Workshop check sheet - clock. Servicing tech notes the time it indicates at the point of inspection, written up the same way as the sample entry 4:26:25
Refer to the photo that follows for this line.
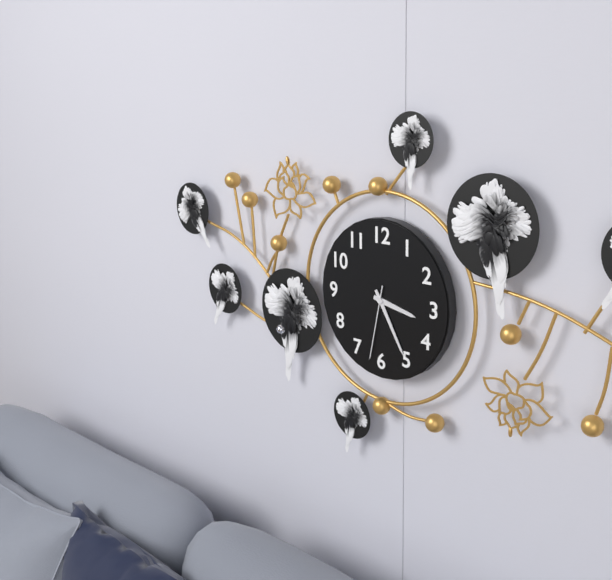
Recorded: 3:25:32
